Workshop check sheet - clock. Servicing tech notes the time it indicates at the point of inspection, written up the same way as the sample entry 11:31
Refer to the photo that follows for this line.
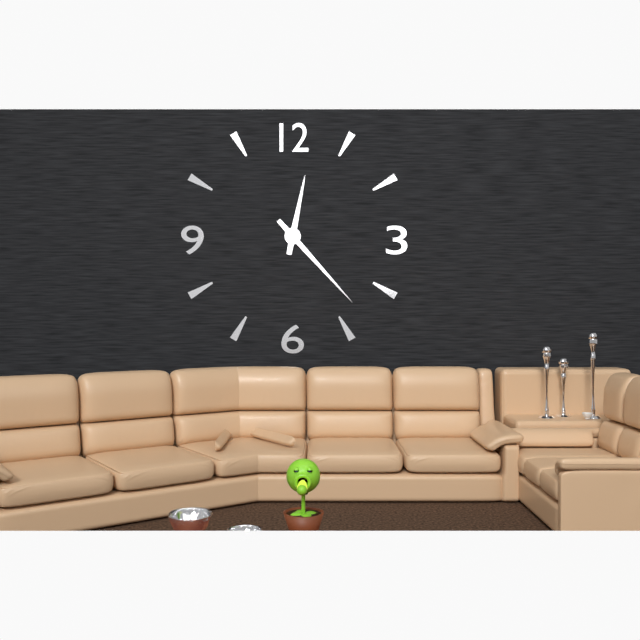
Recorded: 12:23
